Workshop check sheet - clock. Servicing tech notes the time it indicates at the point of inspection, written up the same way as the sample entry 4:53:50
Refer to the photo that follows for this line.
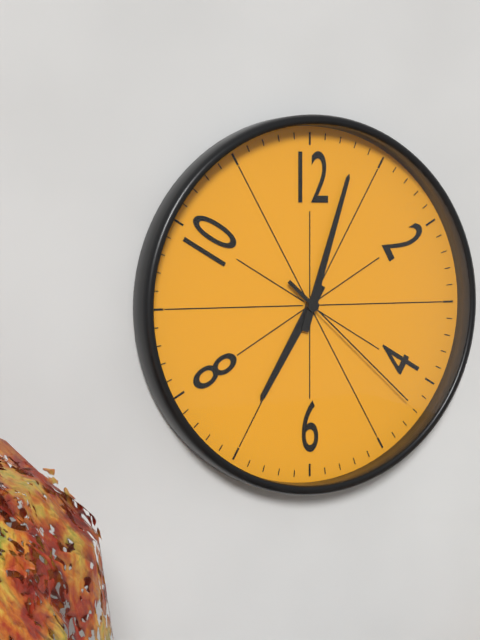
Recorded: 7:03:22
